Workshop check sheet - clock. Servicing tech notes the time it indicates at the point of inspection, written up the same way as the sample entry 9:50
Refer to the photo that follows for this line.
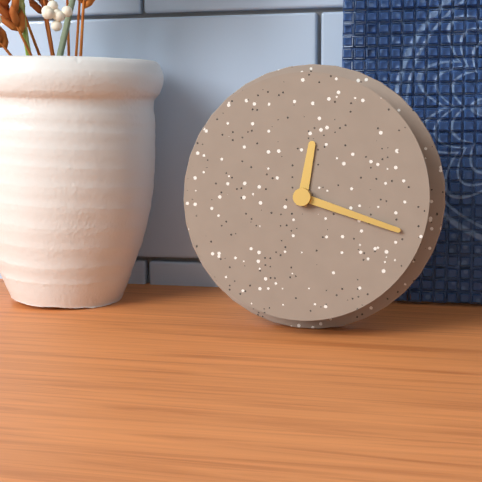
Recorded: 12:18
